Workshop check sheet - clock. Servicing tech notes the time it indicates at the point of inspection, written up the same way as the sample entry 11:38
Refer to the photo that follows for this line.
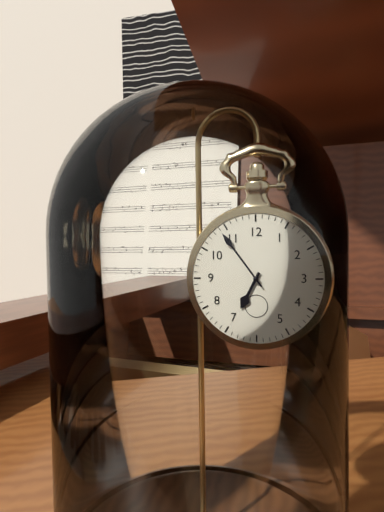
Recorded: 6:54
